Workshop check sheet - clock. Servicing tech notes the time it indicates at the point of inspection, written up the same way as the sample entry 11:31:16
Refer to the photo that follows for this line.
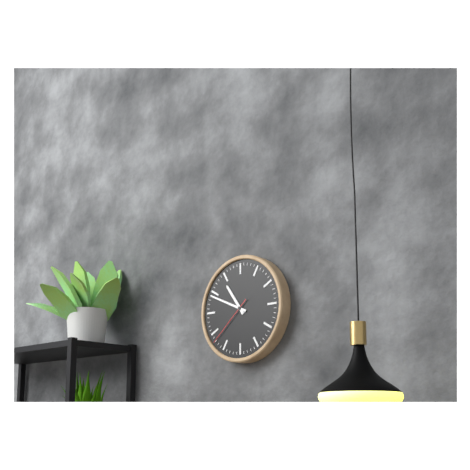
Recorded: 10:49:38
